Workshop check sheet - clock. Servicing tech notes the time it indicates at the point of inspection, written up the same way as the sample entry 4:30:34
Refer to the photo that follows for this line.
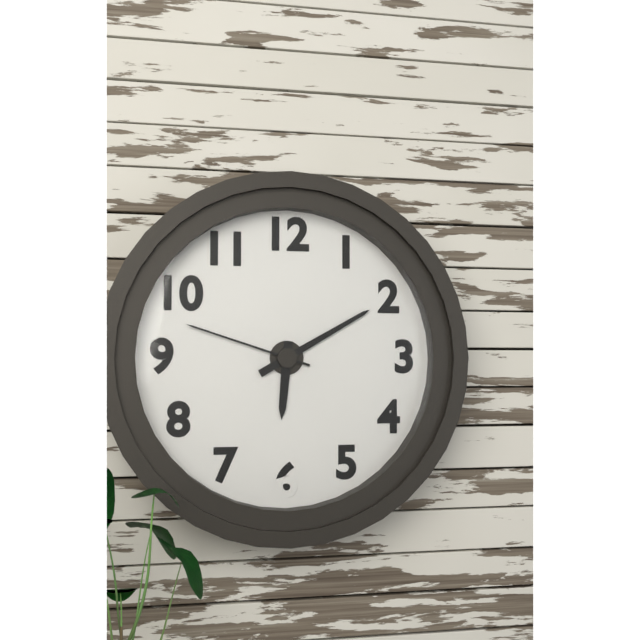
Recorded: 6:10:48
